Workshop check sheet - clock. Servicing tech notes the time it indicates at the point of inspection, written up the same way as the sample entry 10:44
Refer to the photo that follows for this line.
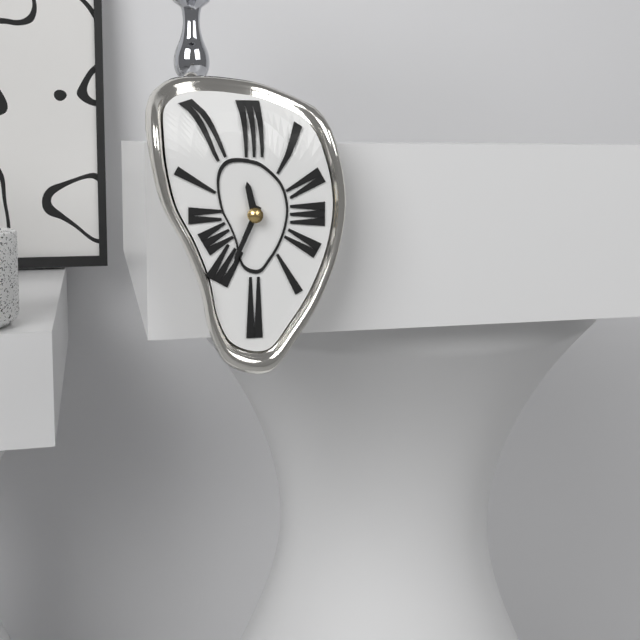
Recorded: 11:34
